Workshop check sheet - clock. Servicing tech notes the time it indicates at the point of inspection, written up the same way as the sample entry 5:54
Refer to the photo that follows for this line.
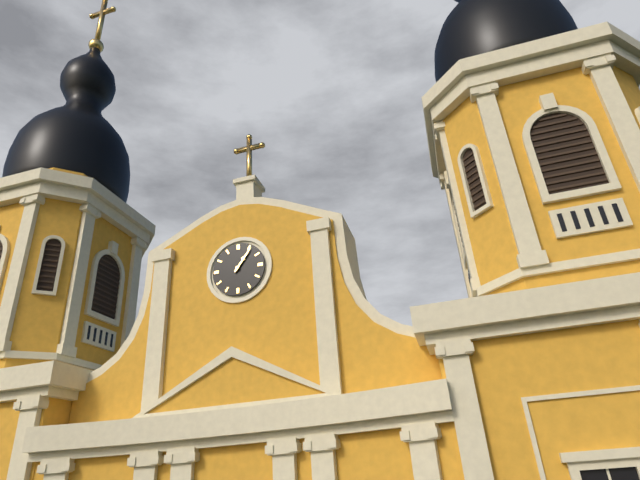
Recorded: 1:06
